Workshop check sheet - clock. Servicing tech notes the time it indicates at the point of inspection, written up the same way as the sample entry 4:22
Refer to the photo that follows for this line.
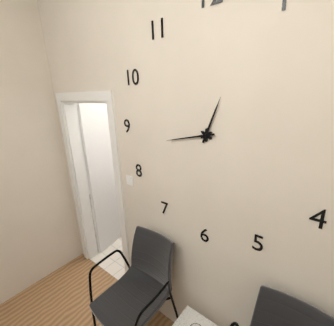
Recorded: 12:43
